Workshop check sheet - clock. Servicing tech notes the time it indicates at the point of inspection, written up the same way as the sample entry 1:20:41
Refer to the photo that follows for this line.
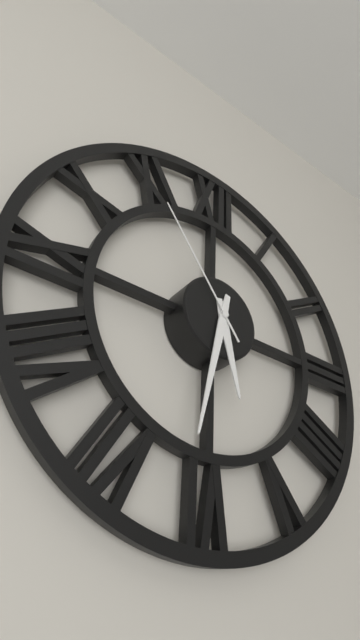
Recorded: 5:32:54
